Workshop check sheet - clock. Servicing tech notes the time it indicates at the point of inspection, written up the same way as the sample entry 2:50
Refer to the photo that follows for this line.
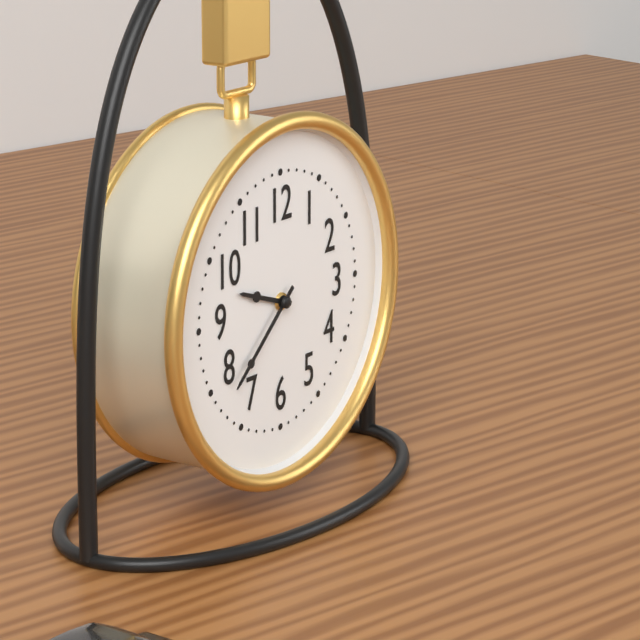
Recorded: 9:38
